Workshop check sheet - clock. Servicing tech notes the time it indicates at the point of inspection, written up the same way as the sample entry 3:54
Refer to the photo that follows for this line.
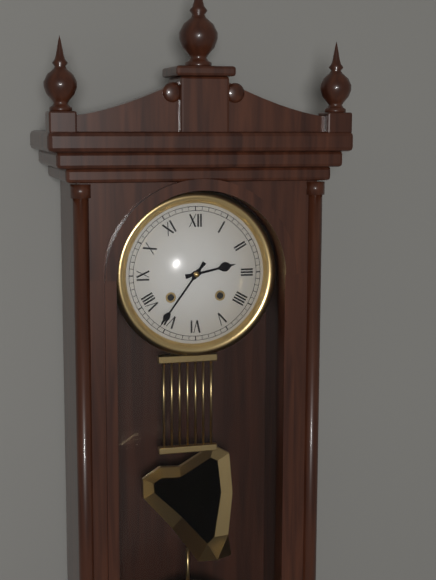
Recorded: 2:36
